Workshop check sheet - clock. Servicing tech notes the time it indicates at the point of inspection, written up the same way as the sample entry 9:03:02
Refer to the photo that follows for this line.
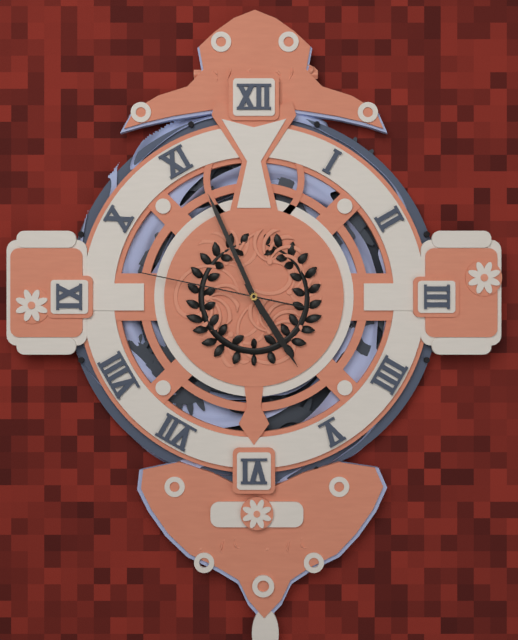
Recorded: 4:56:47
